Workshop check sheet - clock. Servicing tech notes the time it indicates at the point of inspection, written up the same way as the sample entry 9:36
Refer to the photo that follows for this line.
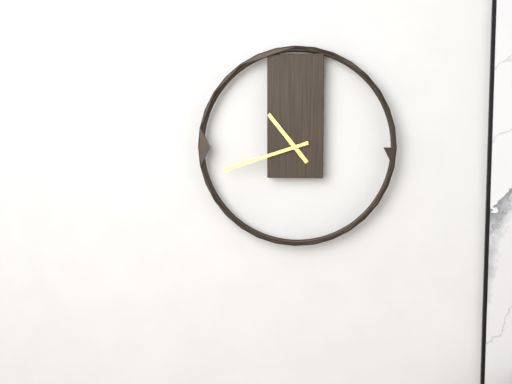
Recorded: 10:42
